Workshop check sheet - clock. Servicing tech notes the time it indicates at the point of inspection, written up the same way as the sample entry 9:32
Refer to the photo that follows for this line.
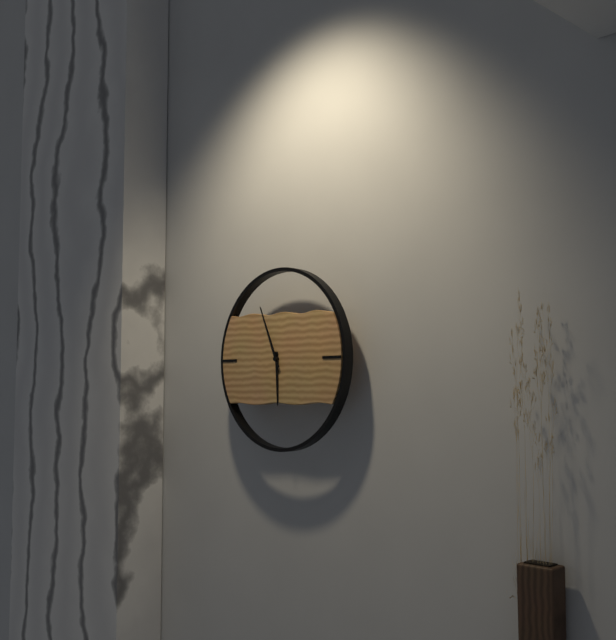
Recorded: 5:56
